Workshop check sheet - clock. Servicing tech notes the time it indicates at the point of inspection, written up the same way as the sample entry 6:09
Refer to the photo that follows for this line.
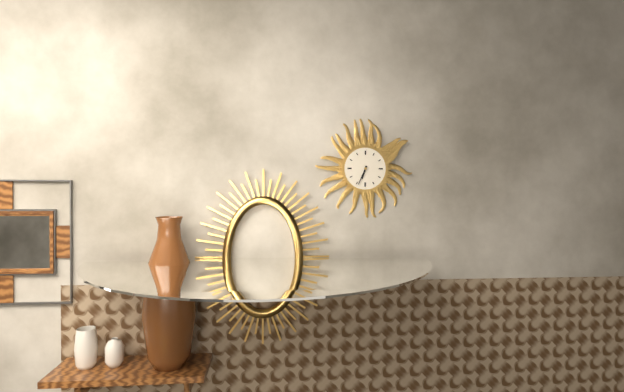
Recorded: 6:34
